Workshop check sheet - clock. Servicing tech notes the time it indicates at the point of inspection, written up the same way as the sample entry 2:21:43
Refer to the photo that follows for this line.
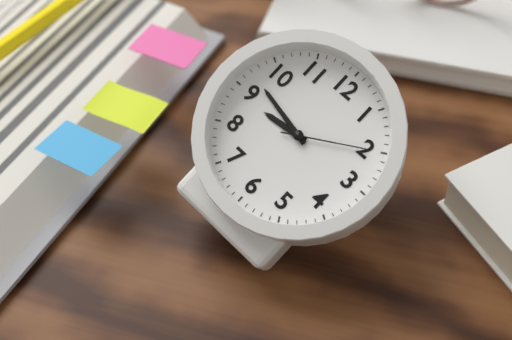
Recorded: 8:47:10
